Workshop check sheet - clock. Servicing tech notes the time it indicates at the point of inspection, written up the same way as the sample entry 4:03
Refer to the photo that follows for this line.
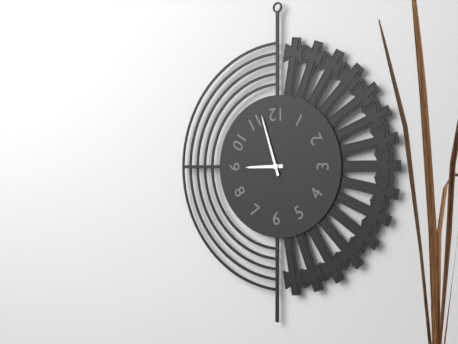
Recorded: 8:57
